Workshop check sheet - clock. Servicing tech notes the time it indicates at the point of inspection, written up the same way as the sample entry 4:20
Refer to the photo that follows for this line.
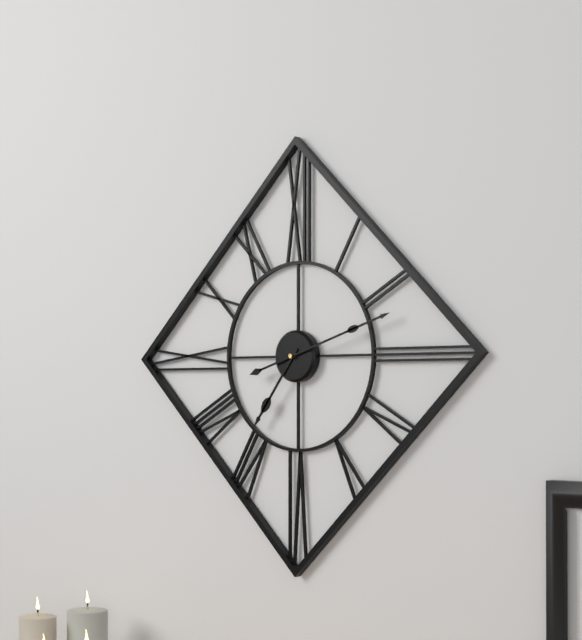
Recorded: 7:12
